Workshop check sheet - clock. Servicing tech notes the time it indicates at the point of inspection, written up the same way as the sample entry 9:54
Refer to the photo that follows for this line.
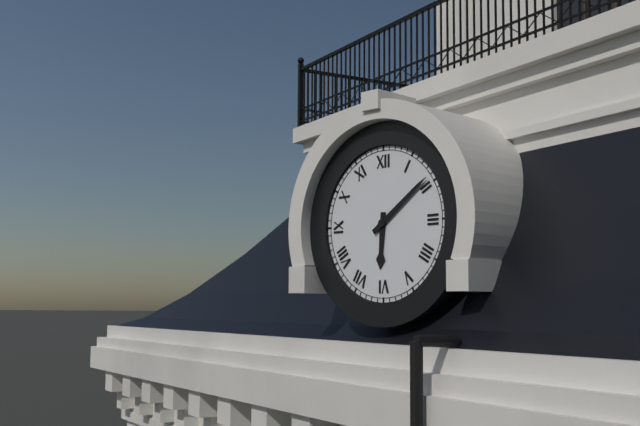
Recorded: 6:09
